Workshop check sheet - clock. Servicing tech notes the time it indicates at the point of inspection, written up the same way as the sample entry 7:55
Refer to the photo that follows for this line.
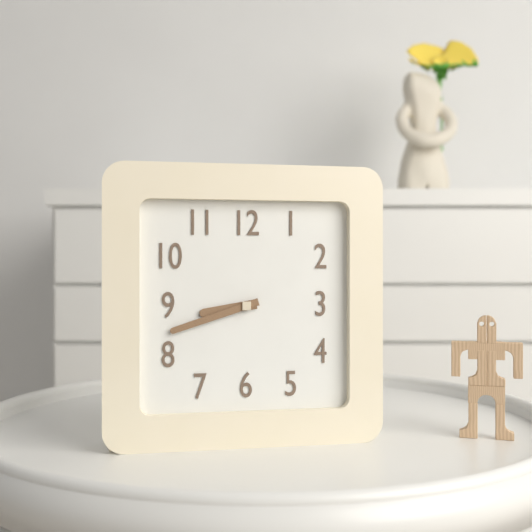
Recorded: 8:42
